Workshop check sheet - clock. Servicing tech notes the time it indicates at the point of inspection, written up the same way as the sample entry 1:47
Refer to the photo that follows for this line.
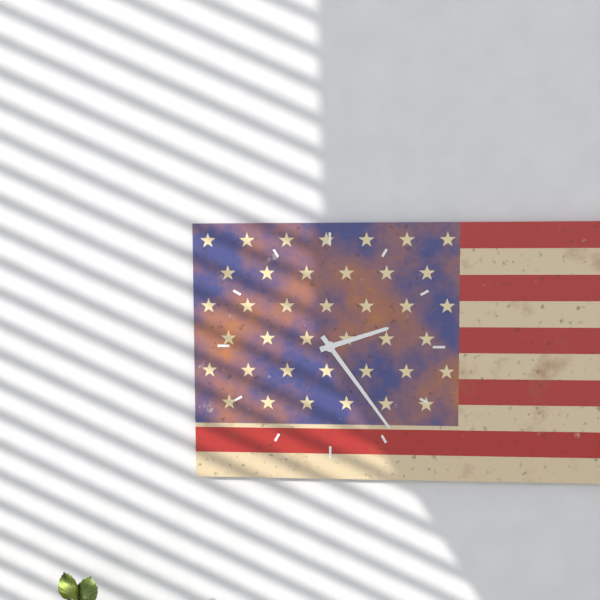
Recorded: 2:24
